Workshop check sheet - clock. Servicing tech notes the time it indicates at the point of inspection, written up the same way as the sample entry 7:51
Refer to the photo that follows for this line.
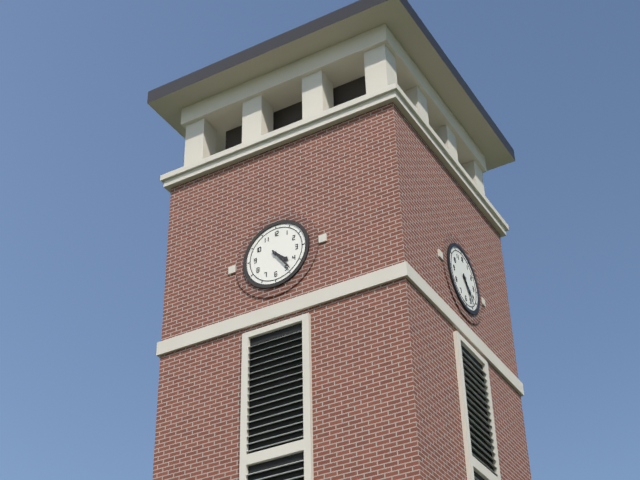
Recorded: 4:24
